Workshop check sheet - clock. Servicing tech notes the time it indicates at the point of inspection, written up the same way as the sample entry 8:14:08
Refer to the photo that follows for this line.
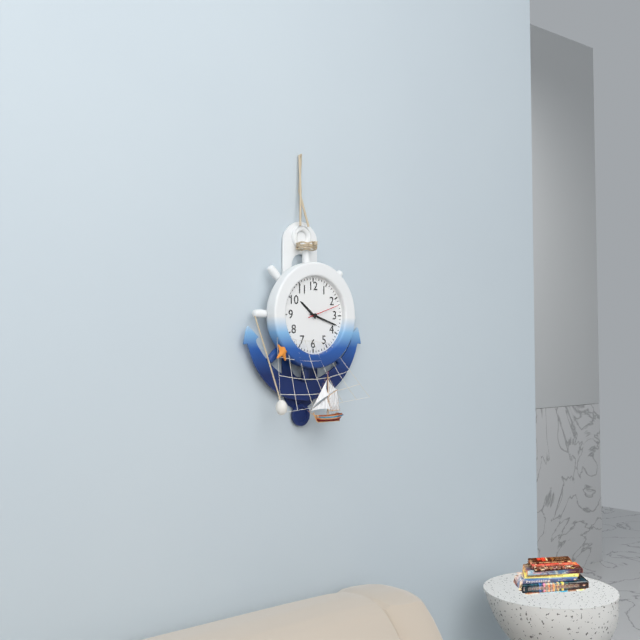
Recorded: 10:18:12
